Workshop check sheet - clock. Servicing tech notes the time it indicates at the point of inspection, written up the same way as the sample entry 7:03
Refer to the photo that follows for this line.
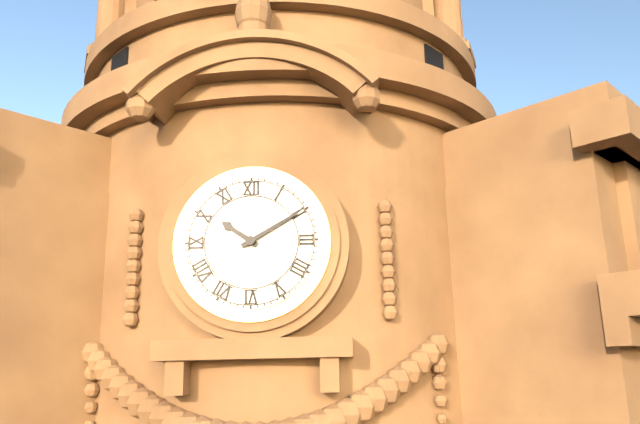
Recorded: 10:10
